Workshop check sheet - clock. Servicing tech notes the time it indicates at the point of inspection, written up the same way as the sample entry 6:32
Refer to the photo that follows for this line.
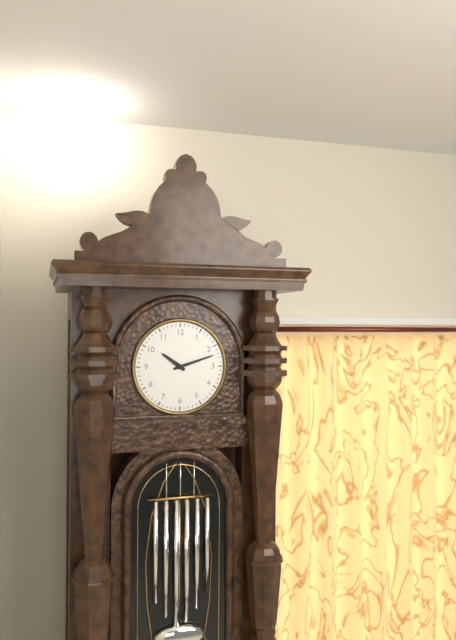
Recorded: 10:12
